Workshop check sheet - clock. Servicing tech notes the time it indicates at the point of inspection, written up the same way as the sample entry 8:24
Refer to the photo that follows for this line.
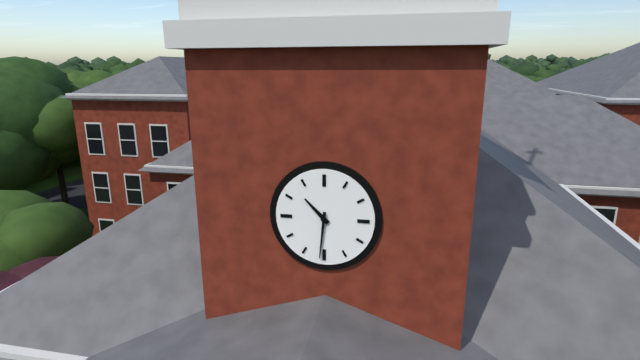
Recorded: 10:31
